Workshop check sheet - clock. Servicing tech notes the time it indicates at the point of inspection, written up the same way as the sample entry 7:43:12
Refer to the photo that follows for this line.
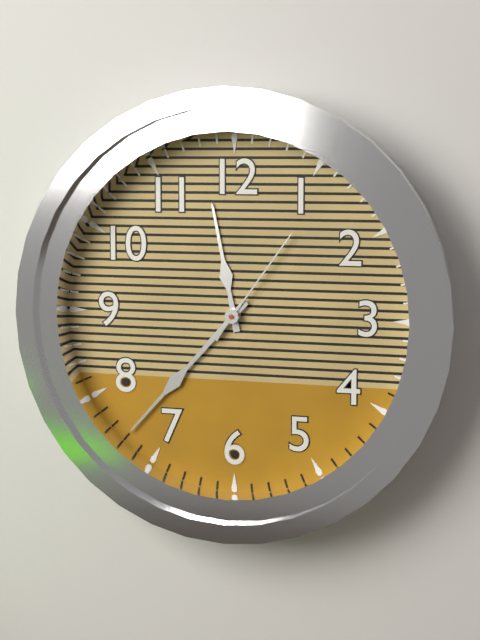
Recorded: 11:37:06
